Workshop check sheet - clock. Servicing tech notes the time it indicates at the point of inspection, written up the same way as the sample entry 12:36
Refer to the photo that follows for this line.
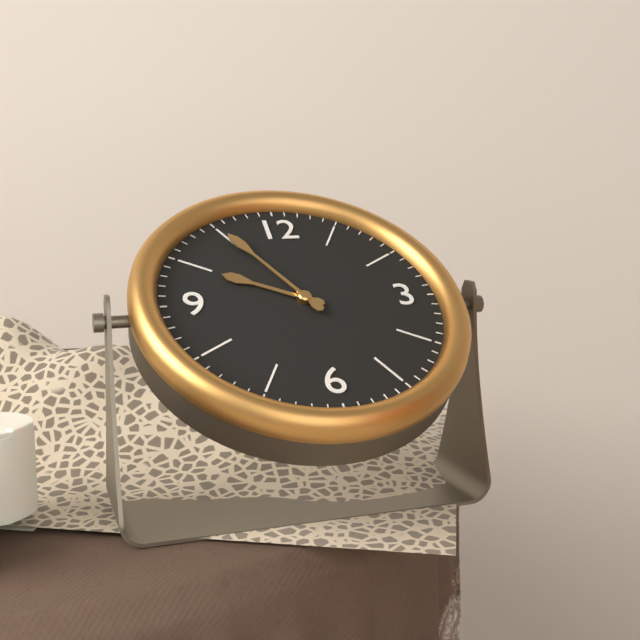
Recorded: 9:55
